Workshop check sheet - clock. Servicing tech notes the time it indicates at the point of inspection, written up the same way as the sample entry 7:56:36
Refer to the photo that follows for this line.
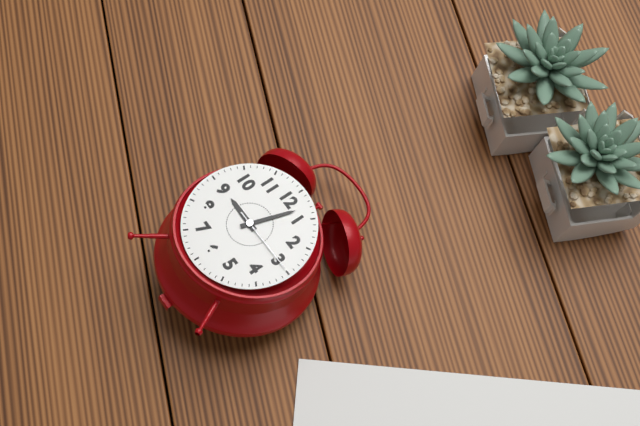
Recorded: 9:03:15
